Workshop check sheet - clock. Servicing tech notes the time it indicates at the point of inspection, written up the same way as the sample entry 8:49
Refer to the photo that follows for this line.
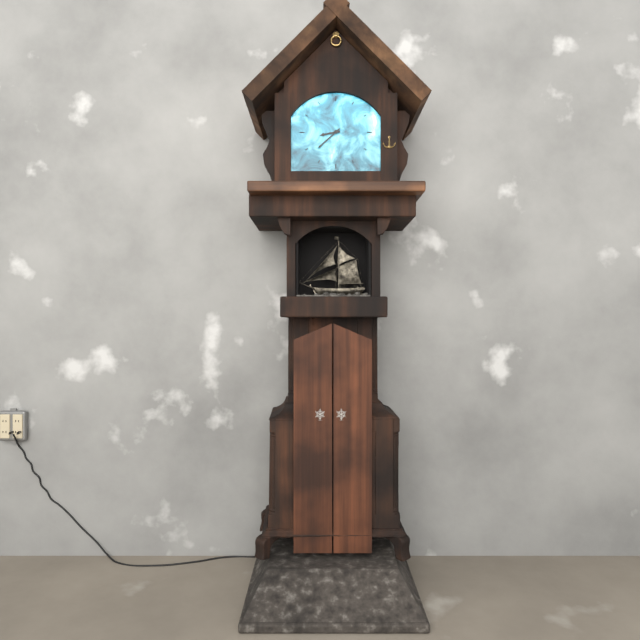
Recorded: 8:38
